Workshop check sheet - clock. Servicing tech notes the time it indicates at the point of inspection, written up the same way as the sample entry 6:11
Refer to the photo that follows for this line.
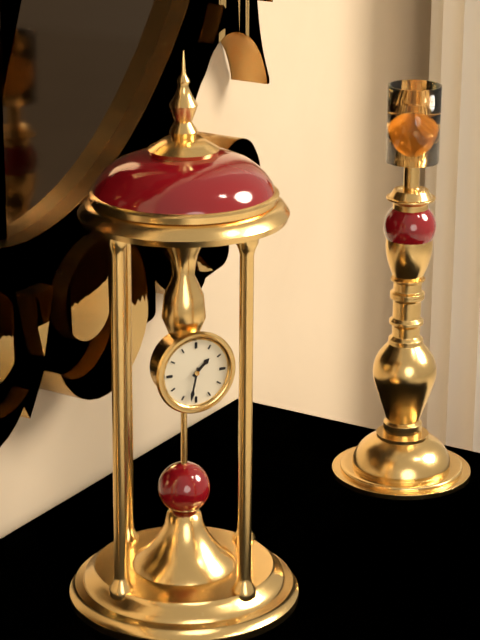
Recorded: 1:32
